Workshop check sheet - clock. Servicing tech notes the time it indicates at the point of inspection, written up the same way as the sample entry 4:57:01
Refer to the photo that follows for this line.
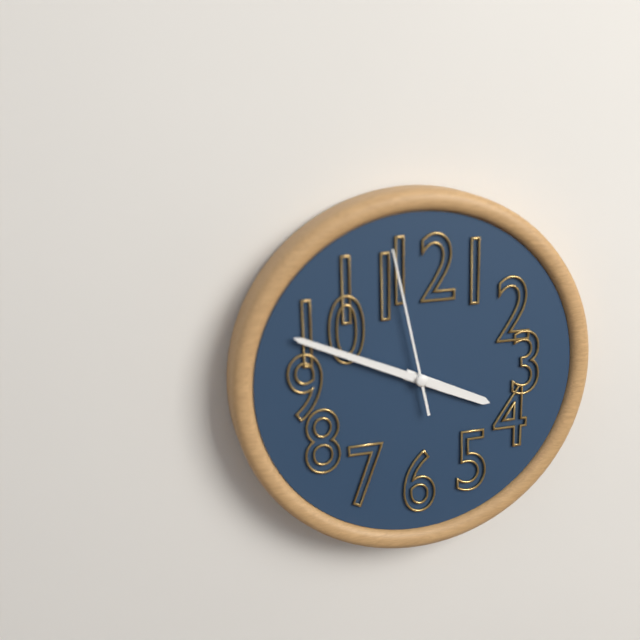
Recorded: 3:49:58
